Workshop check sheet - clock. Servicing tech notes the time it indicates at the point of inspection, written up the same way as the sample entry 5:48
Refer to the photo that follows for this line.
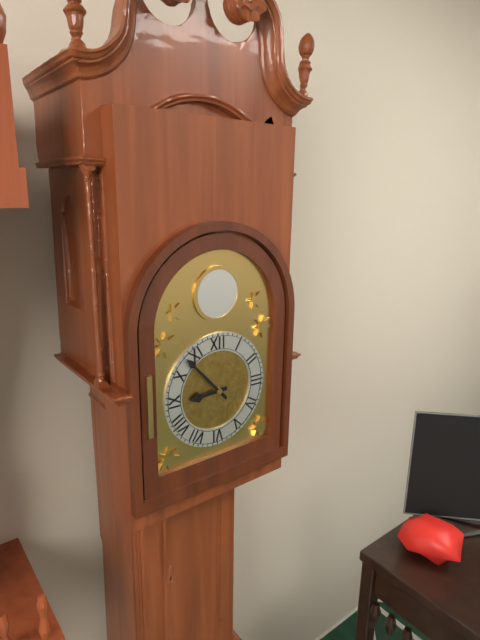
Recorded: 8:53
